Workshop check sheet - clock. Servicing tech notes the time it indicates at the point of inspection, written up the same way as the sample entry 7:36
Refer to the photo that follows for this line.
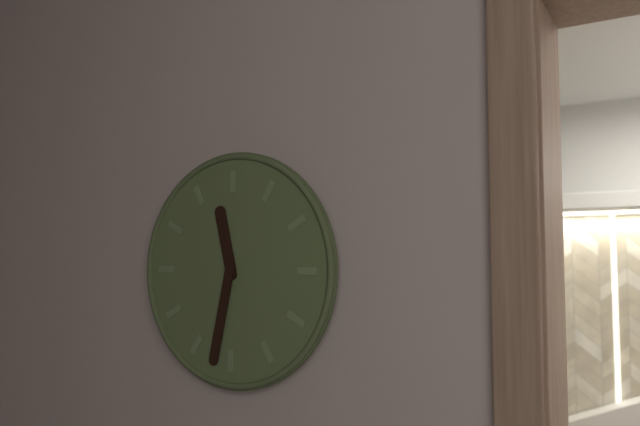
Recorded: 11:32
